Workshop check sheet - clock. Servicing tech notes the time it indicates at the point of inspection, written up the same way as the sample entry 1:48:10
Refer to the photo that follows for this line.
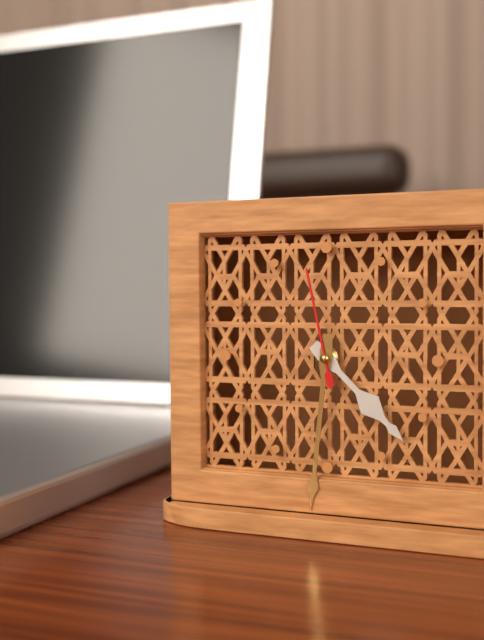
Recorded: 4:31:58
